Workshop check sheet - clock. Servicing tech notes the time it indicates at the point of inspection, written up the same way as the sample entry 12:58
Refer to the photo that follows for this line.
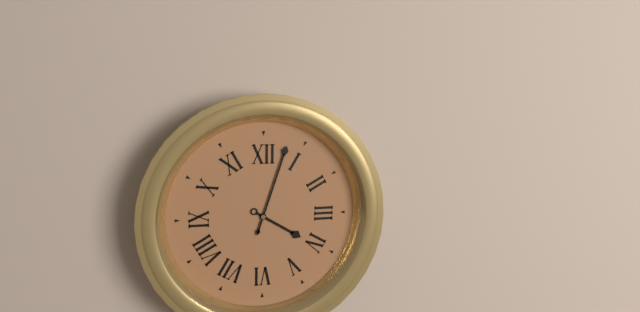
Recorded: 4:03
